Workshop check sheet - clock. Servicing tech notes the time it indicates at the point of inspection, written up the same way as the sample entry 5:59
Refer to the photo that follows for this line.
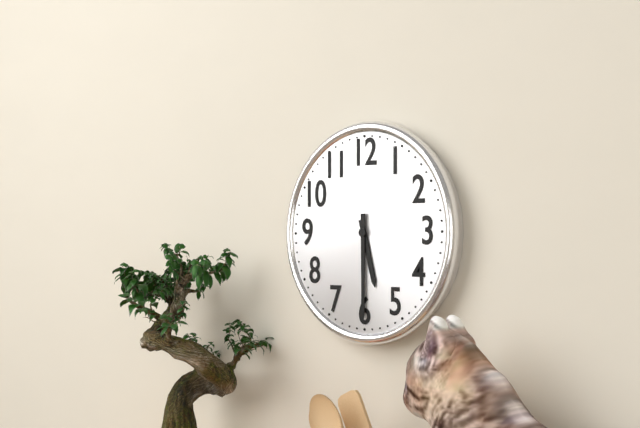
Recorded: 5:30
